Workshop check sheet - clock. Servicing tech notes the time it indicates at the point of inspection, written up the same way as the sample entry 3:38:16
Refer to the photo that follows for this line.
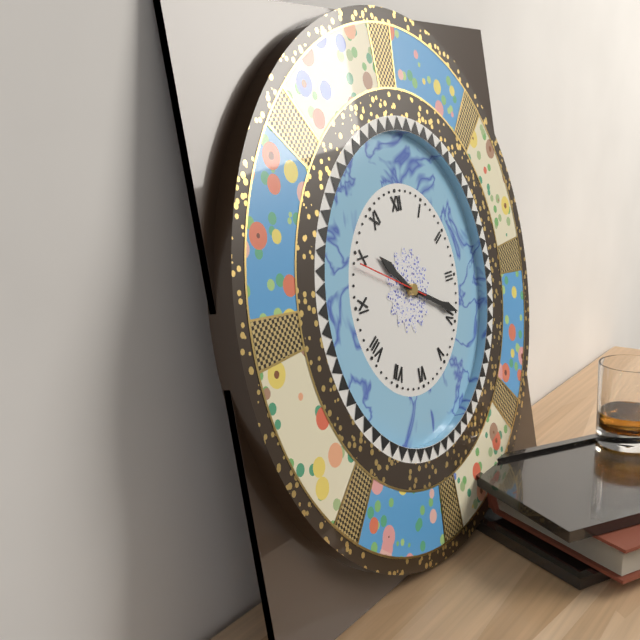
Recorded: 10:19:49
